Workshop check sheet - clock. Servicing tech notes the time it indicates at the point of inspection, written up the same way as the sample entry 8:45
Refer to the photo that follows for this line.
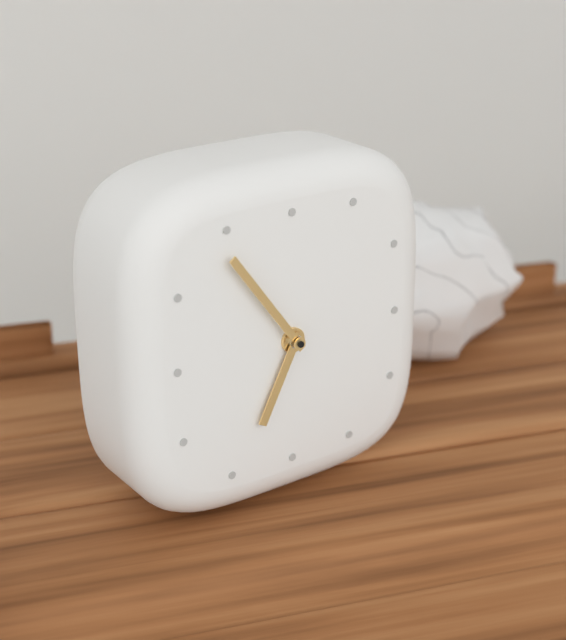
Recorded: 6:54
